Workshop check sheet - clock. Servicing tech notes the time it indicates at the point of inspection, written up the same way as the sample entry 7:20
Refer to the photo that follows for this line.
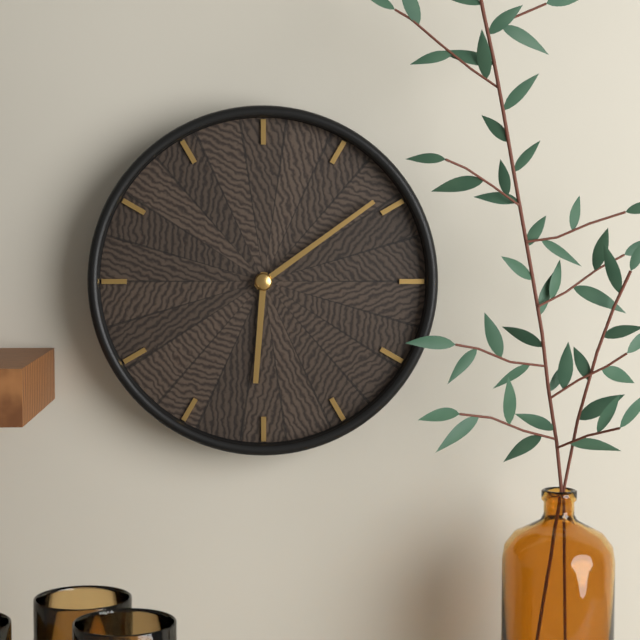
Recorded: 6:09
